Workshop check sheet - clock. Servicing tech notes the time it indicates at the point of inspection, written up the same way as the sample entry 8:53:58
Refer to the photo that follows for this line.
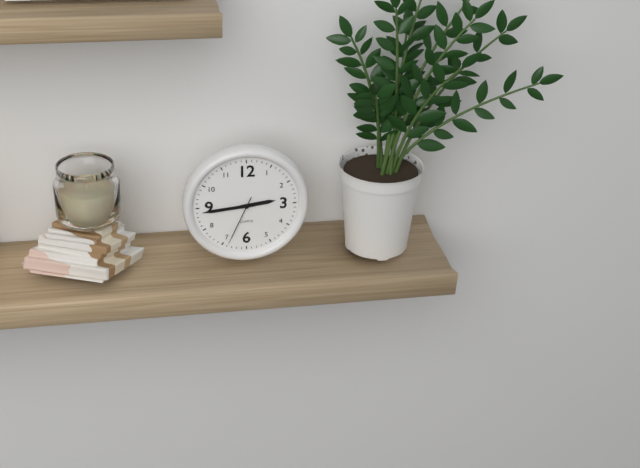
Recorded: 2:44:34
